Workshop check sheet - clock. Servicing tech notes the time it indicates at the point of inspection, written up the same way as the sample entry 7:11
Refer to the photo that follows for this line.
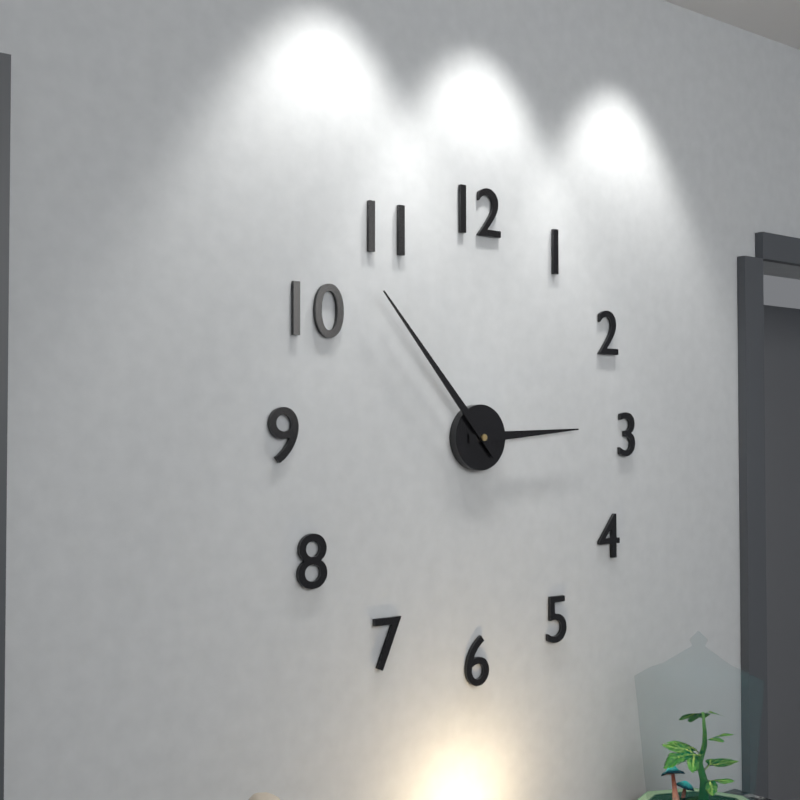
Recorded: 2:53
